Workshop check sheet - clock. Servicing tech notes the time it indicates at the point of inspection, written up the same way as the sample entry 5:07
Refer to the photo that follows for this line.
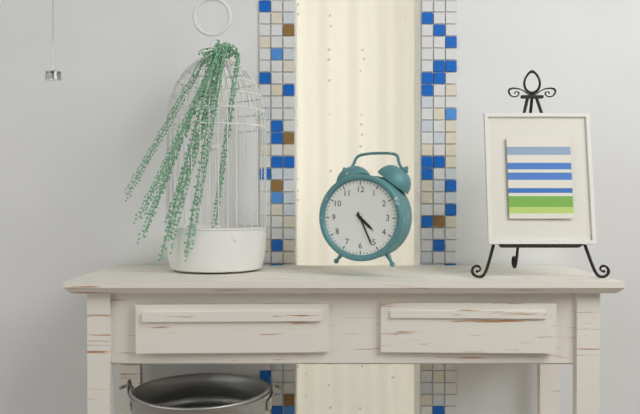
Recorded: 4:26
